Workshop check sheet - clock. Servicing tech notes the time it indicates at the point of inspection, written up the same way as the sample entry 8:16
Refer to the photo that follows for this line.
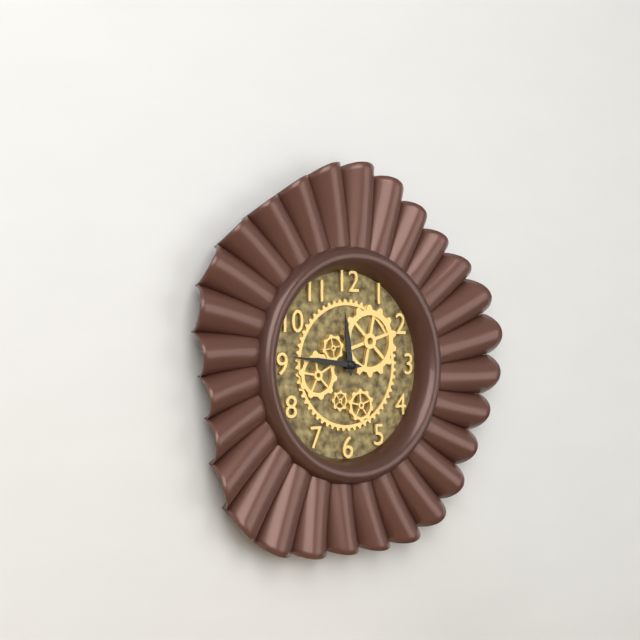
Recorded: 11:46
